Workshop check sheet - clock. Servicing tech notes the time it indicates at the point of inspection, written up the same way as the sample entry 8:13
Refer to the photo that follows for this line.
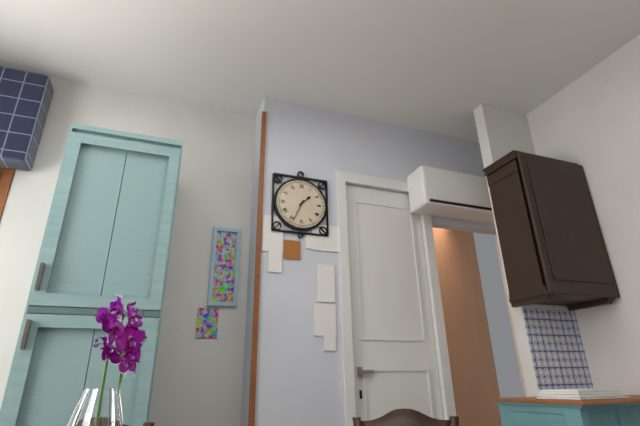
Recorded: 1:34
